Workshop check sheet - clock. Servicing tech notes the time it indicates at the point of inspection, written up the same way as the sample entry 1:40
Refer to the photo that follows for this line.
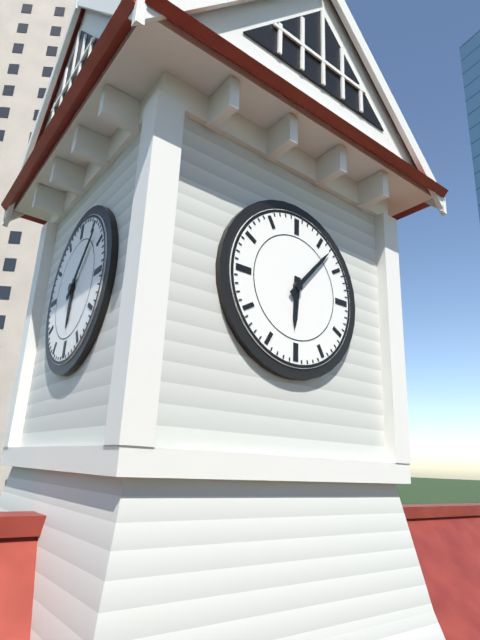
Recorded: 6:07
